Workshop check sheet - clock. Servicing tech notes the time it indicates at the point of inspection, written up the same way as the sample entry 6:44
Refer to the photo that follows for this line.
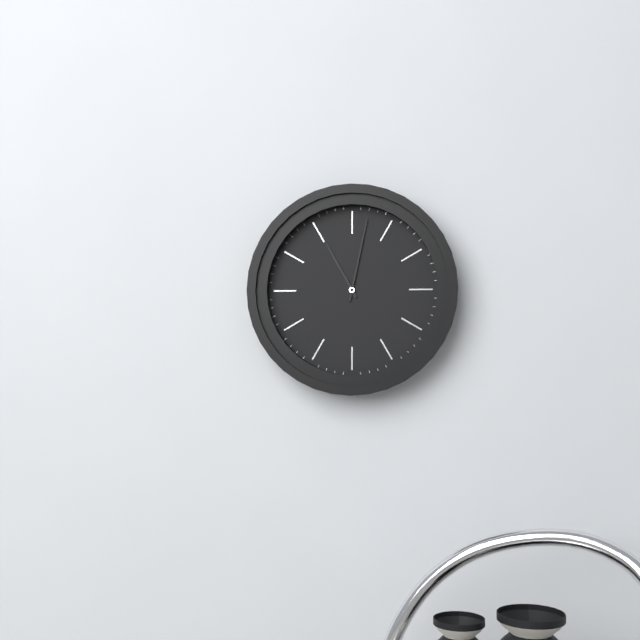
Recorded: 11:02
